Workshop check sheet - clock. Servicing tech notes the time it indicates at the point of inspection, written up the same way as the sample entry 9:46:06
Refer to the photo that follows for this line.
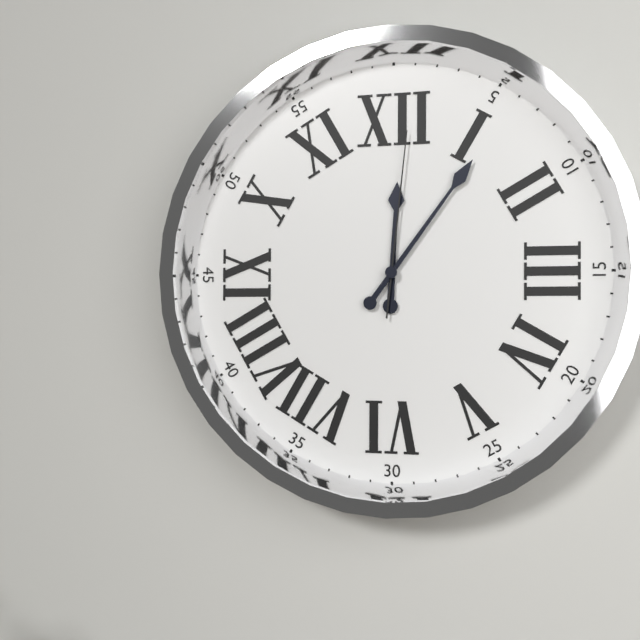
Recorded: 12:06:01
